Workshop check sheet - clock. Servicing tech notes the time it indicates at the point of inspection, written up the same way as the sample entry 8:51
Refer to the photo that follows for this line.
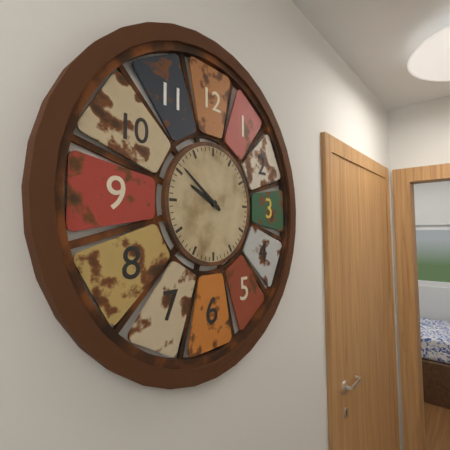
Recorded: 9:51
